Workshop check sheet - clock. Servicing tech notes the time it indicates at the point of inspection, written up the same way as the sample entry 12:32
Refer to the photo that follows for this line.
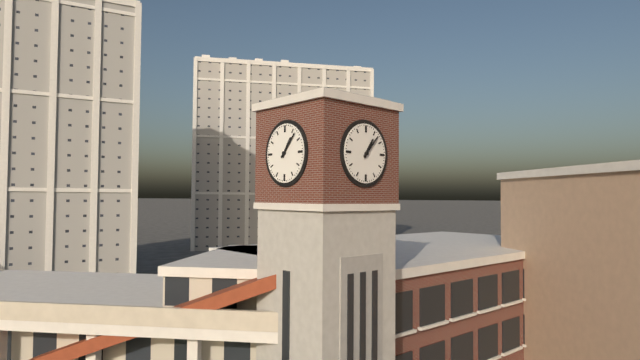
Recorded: 1:07
